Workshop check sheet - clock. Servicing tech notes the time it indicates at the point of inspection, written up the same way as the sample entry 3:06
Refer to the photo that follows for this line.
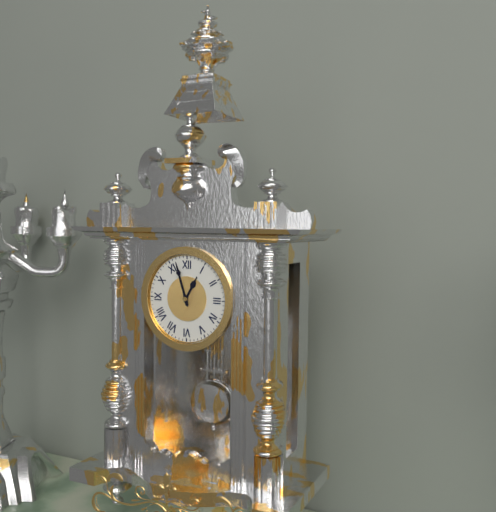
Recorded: 12:57
